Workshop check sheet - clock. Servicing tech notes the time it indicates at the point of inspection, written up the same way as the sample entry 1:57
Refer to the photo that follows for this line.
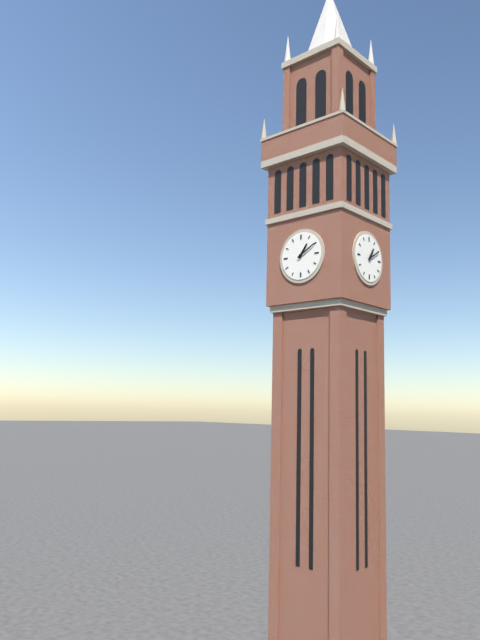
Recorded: 1:10
